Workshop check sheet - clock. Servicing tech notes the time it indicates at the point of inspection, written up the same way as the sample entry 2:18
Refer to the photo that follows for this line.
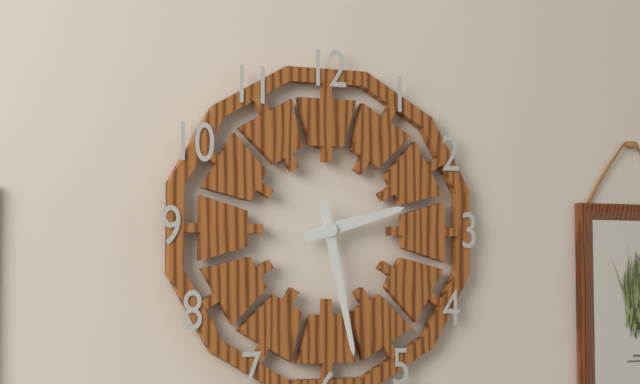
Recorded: 2:28
